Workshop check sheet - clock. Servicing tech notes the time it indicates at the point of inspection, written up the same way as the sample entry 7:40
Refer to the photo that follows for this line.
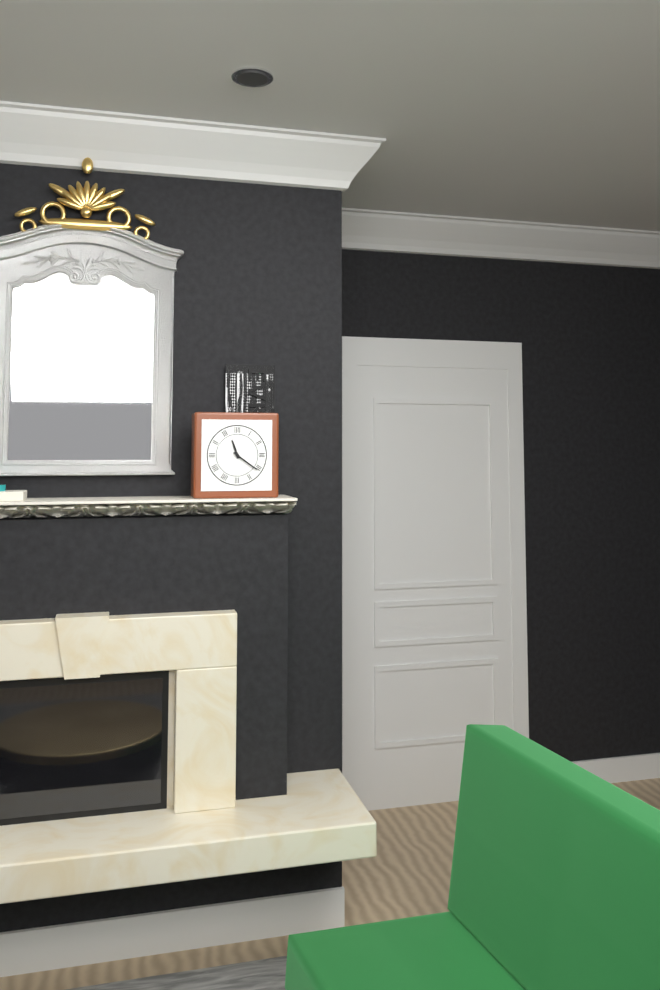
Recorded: 11:21
